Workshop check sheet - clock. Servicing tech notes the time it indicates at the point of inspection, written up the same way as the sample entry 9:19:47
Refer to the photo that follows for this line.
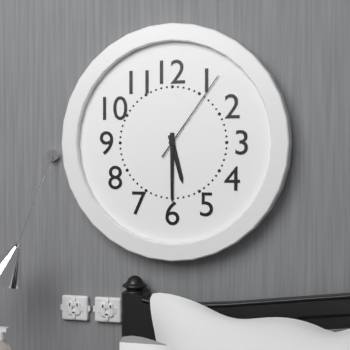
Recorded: 5:30:06
